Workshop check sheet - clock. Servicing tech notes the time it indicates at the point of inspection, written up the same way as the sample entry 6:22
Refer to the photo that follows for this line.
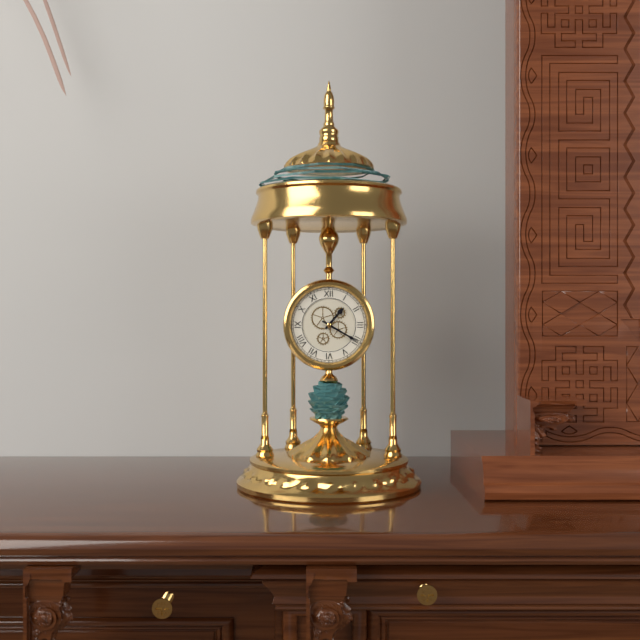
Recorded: 1:20
